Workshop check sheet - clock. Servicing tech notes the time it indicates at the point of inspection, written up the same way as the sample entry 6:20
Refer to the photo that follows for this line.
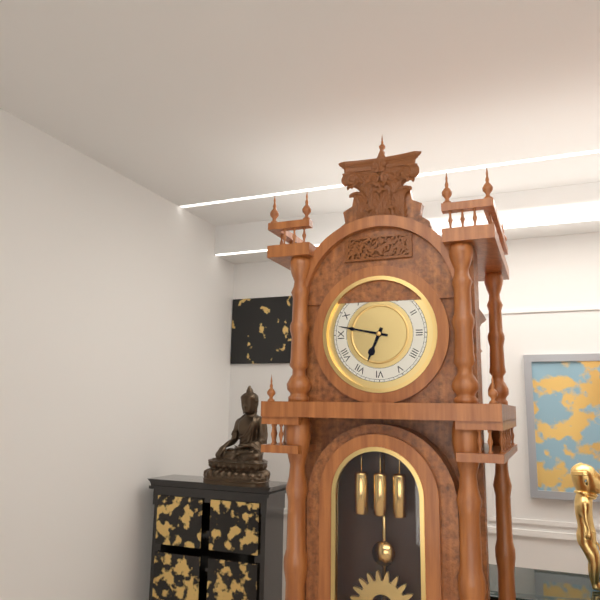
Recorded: 6:47
